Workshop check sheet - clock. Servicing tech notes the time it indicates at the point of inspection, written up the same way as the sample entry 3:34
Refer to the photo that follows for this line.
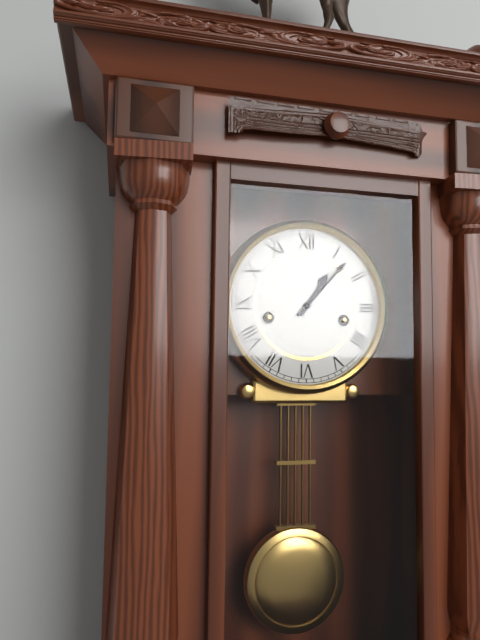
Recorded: 1:07
